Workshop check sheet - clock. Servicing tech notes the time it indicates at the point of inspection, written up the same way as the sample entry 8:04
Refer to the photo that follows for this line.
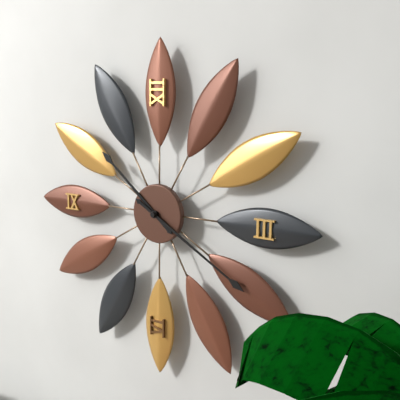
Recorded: 10:20
